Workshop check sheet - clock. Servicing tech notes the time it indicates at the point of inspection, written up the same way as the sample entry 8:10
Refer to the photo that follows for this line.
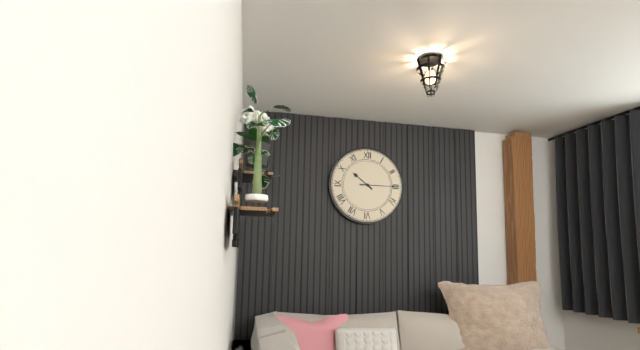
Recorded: 10:15
